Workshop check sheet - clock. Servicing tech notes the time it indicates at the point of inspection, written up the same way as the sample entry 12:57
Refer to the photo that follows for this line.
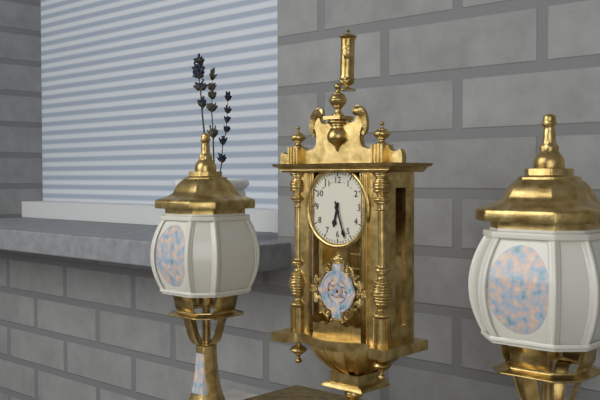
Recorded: 6:27
